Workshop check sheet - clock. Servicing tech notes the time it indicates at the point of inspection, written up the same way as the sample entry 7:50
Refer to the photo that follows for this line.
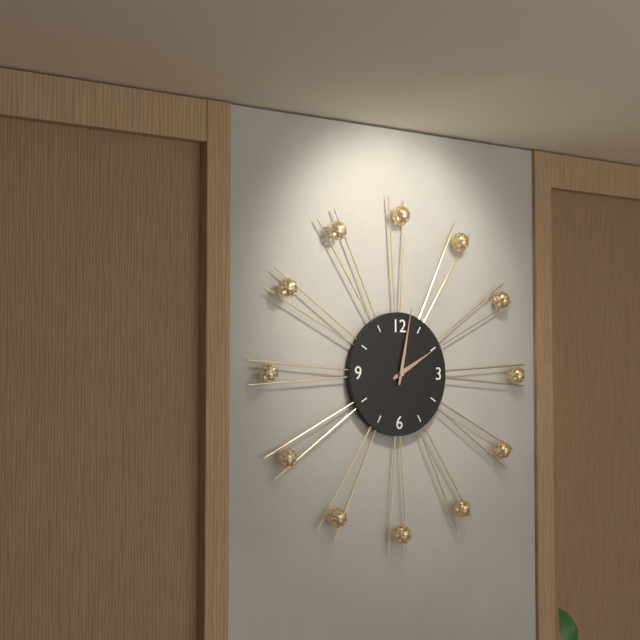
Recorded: 2:02
